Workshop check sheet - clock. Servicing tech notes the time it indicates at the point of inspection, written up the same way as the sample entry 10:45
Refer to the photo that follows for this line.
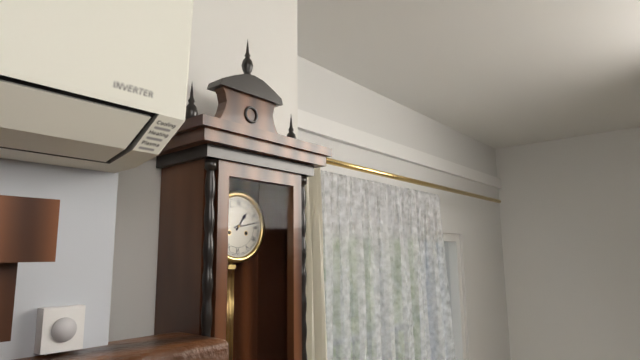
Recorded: 1:13
